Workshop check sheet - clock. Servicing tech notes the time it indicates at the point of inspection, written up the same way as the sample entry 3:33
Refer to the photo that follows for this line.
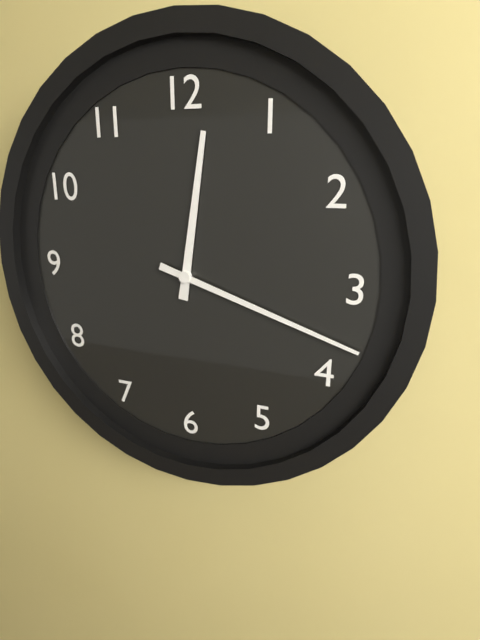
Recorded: 12:18
